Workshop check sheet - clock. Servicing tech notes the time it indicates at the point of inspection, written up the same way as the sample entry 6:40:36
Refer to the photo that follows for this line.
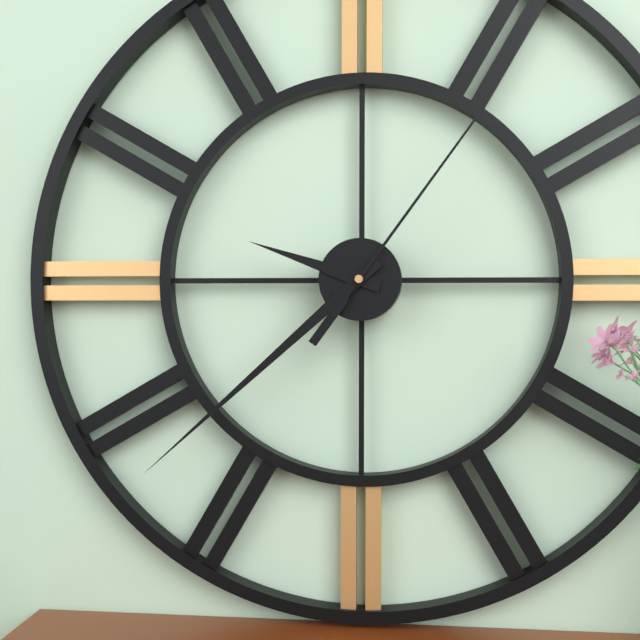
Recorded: 9:38:06
